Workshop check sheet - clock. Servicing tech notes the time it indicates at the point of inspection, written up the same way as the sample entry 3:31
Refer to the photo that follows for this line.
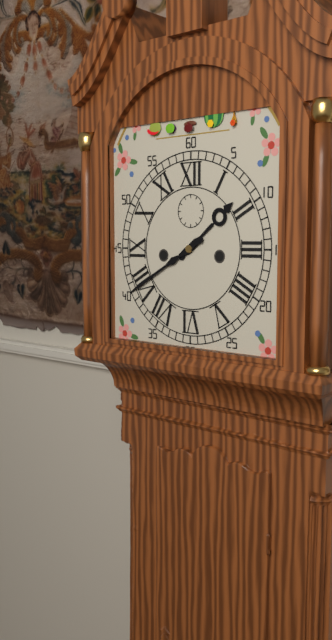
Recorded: 1:40
